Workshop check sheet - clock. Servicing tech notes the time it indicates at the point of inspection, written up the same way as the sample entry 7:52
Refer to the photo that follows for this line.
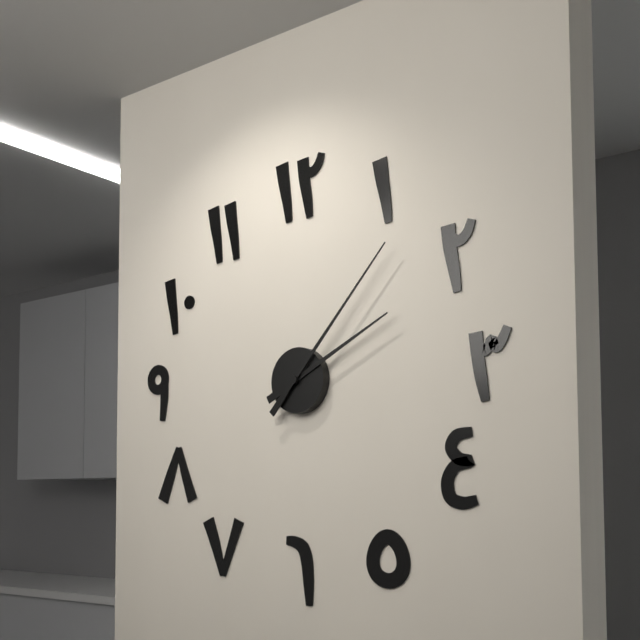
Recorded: 2:07
